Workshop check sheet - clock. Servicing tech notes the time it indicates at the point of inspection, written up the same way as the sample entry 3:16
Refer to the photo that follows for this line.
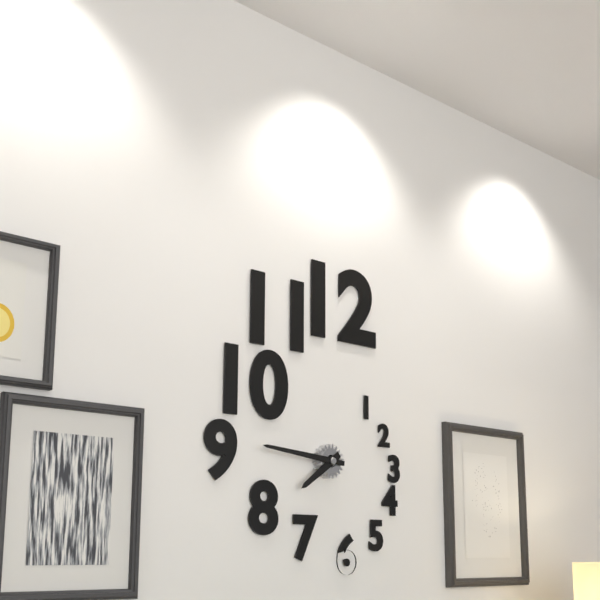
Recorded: 7:46
